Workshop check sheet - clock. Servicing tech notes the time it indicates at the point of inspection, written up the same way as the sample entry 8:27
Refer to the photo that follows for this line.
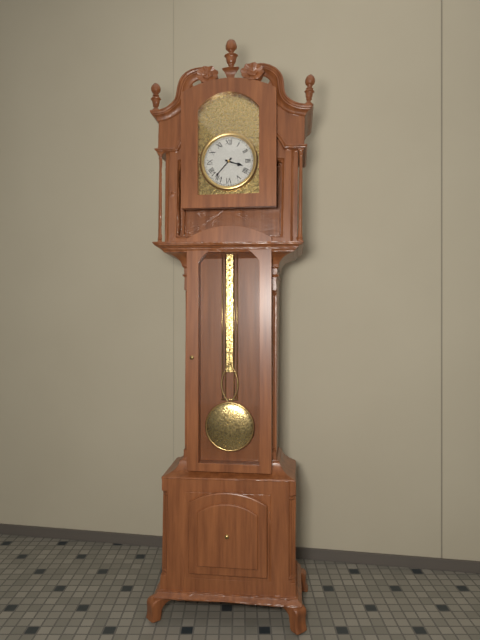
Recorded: 3:37
